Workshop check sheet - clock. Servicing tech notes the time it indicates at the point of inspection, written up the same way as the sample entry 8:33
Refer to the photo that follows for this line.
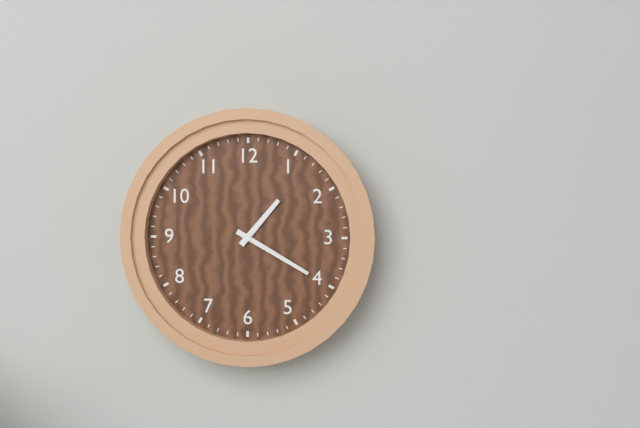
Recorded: 1:20
